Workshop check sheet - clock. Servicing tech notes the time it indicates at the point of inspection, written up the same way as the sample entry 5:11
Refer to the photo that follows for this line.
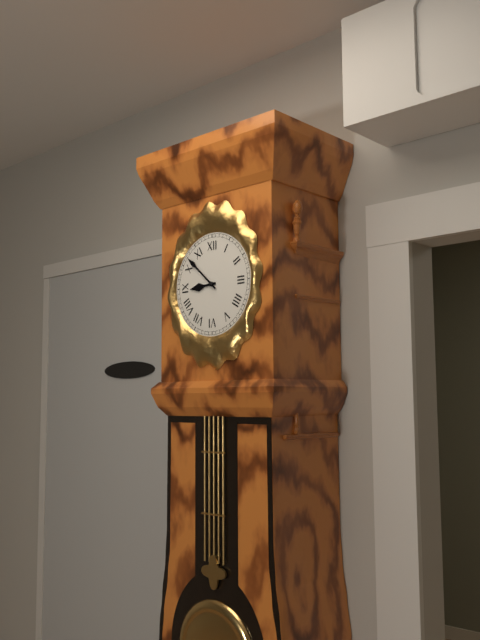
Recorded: 8:52
